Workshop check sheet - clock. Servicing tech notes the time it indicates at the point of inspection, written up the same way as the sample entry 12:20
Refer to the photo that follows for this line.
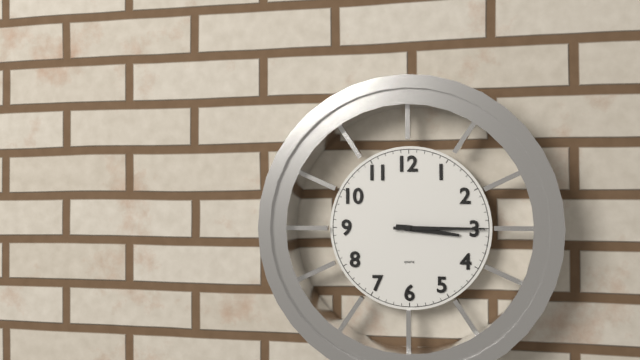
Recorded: 3:15
